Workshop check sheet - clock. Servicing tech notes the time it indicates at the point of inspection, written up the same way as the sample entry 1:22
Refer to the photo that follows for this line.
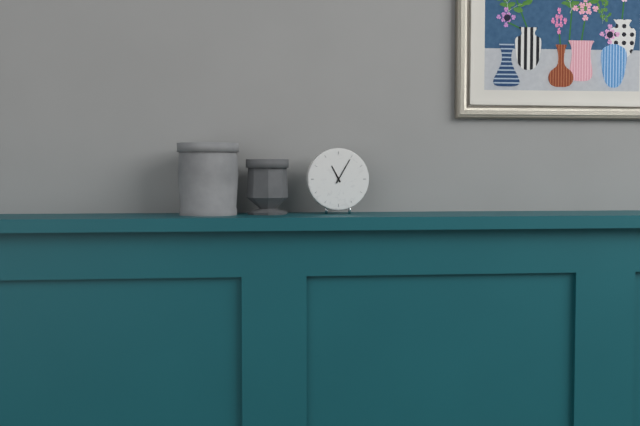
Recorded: 11:05
